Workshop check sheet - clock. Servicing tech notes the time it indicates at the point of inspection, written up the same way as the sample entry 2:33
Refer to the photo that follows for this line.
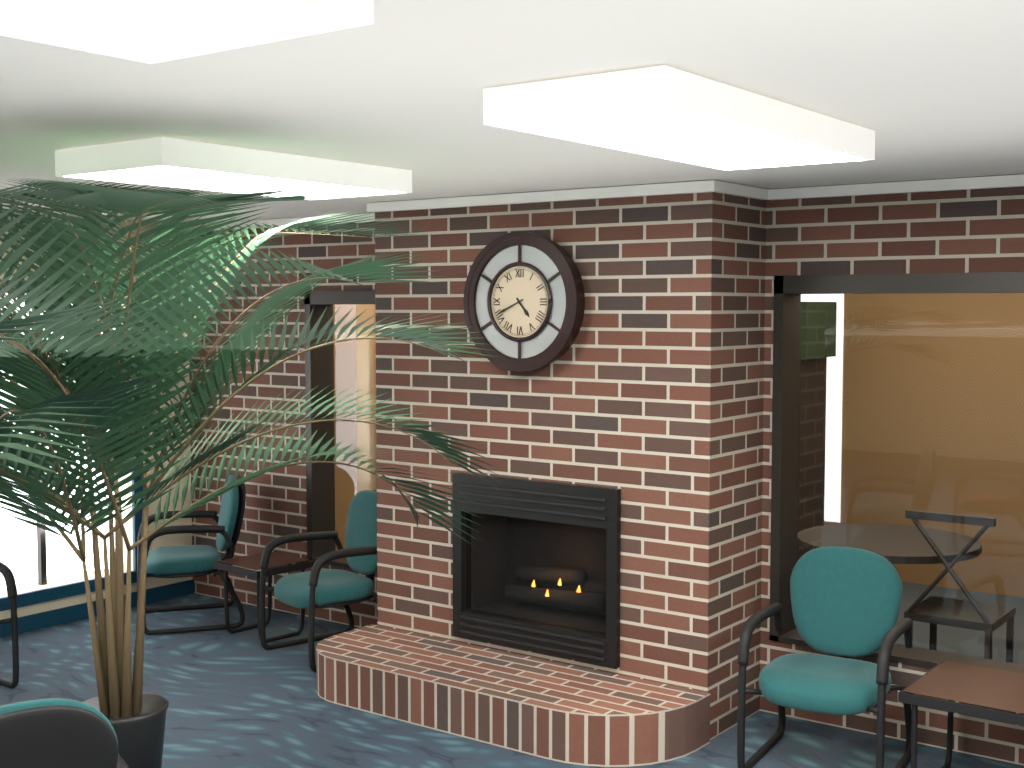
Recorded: 4:41
